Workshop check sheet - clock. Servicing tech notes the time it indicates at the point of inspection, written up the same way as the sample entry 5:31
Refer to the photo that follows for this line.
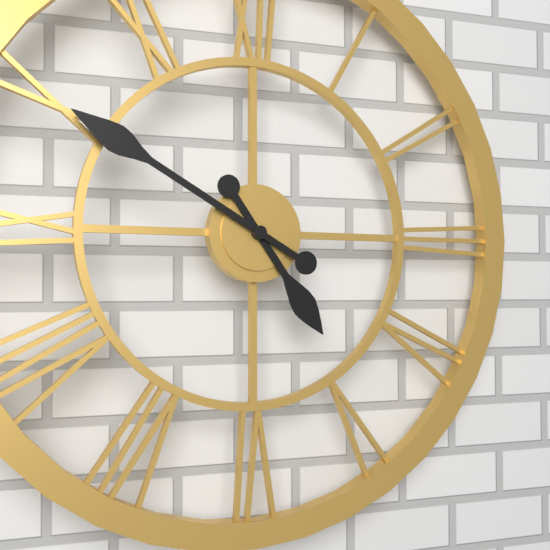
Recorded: 4:50
